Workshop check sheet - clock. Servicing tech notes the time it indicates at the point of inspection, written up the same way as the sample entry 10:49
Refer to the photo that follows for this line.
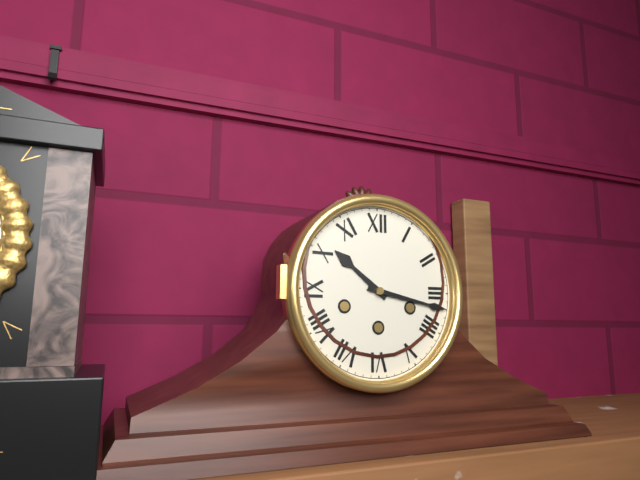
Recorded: 10:17
